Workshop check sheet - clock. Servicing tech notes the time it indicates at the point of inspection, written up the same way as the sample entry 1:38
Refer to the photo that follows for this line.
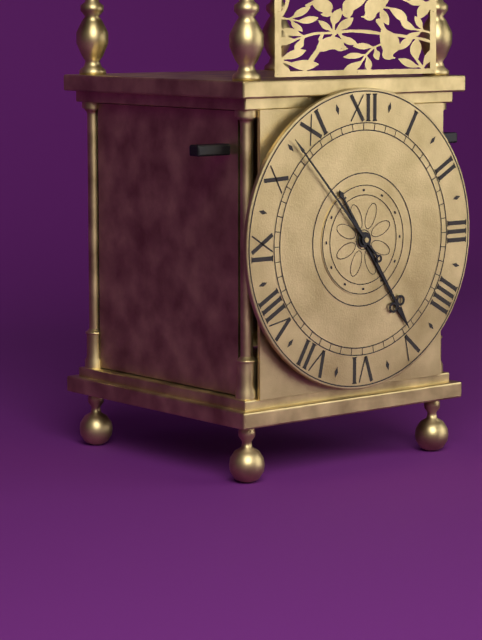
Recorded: 4:53
